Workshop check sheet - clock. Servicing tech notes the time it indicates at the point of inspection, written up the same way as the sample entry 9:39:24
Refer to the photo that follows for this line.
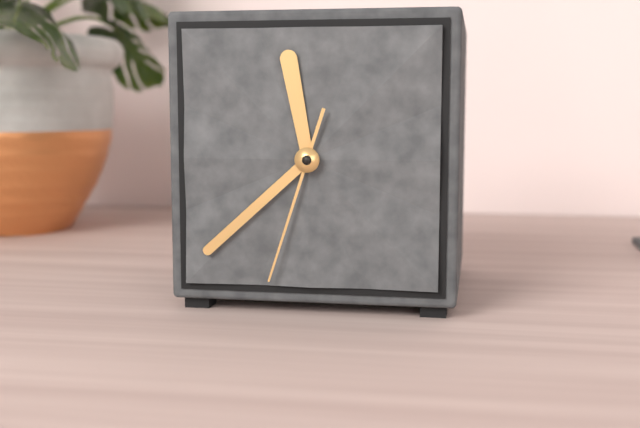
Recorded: 11:38:33
